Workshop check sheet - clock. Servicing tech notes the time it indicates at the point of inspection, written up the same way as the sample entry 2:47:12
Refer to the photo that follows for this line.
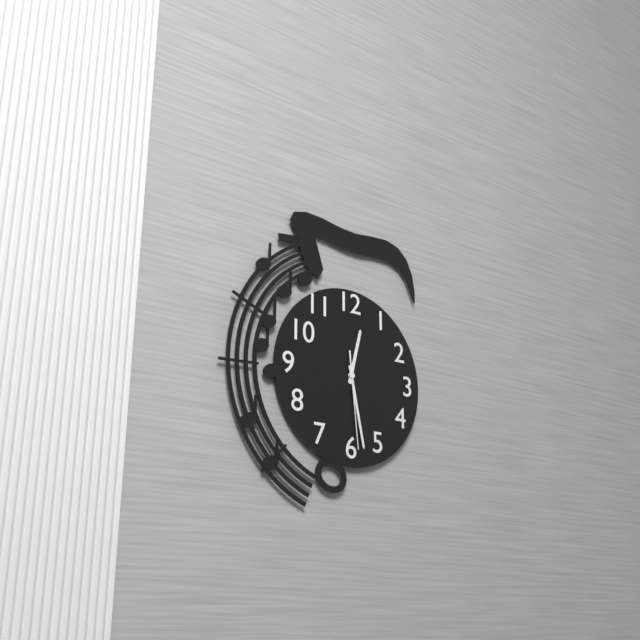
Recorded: 12:28:29
